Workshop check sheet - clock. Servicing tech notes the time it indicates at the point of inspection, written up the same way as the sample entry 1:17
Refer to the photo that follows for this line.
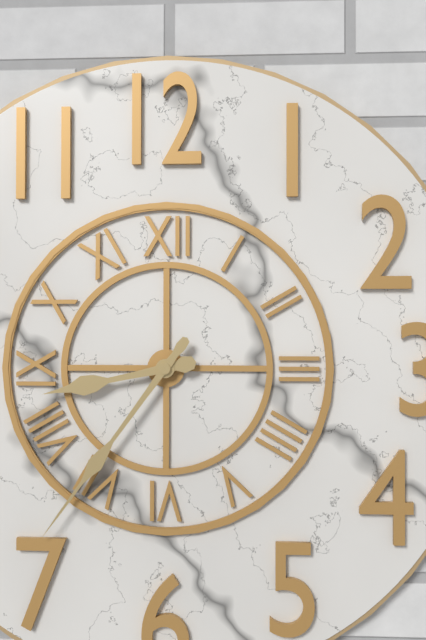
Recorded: 8:36
